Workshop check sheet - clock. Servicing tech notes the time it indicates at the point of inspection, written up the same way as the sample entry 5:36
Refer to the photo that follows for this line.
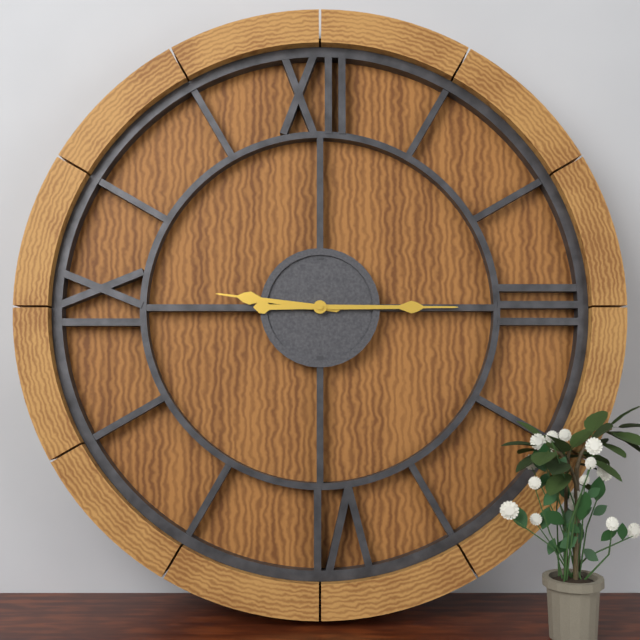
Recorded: 9:15
